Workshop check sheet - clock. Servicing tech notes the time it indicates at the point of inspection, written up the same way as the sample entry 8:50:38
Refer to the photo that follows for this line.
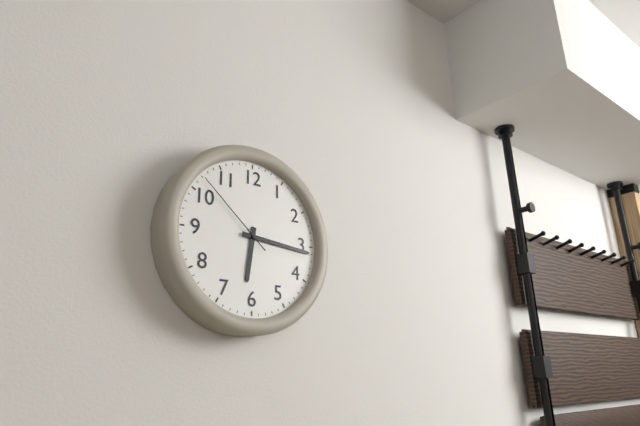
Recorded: 6:16:52
